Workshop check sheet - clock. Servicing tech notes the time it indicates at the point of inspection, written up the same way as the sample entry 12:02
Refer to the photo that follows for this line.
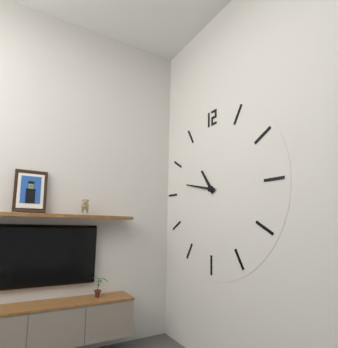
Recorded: 10:47
